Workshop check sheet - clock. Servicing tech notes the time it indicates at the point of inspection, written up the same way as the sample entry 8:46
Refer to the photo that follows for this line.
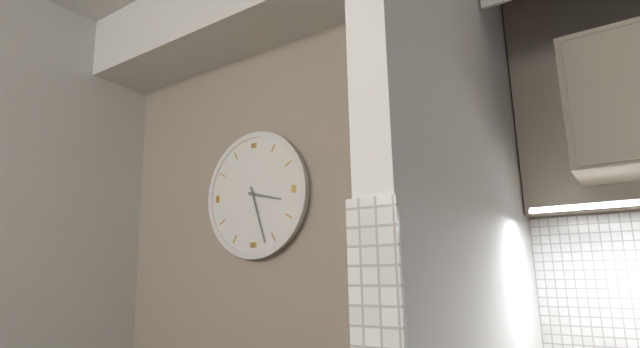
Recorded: 3:27
